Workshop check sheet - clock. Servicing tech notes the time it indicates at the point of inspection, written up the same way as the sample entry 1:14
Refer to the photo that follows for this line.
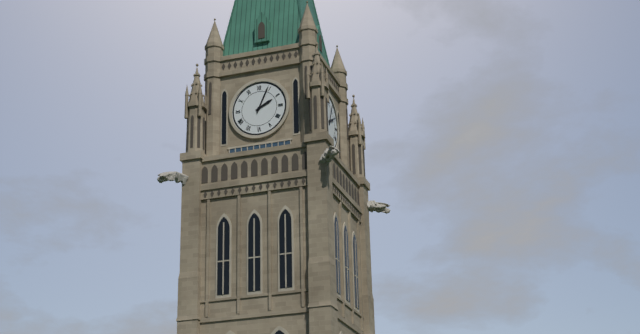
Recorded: 2:04
